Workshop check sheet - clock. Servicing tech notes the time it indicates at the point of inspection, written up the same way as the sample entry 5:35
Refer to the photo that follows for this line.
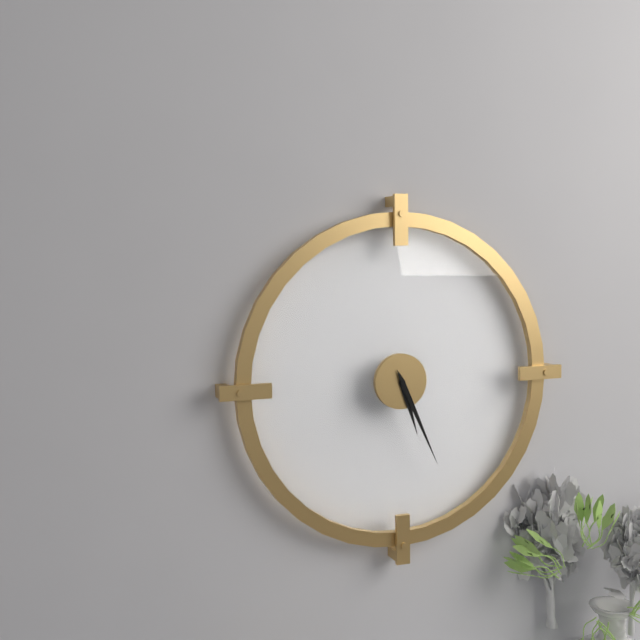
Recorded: 5:26
